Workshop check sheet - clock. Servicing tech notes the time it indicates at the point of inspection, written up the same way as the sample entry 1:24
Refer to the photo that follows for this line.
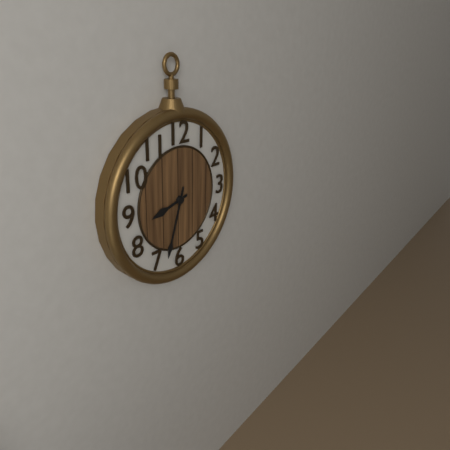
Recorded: 8:33
